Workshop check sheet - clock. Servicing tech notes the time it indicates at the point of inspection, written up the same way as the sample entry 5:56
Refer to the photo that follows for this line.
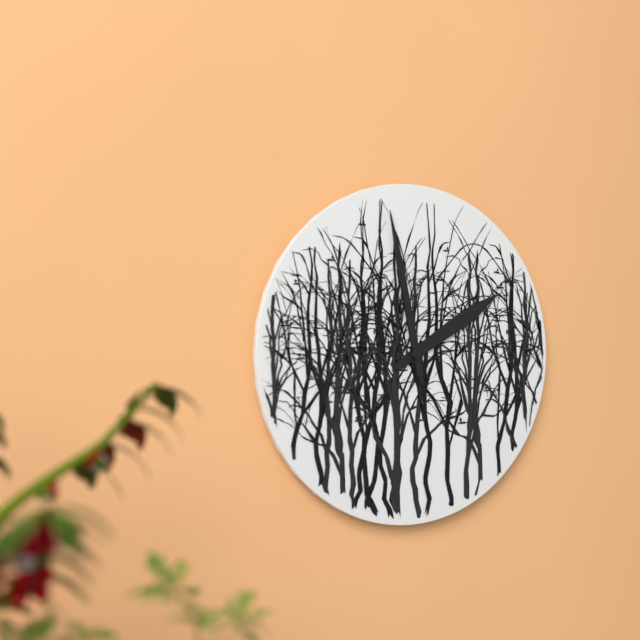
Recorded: 1:58
